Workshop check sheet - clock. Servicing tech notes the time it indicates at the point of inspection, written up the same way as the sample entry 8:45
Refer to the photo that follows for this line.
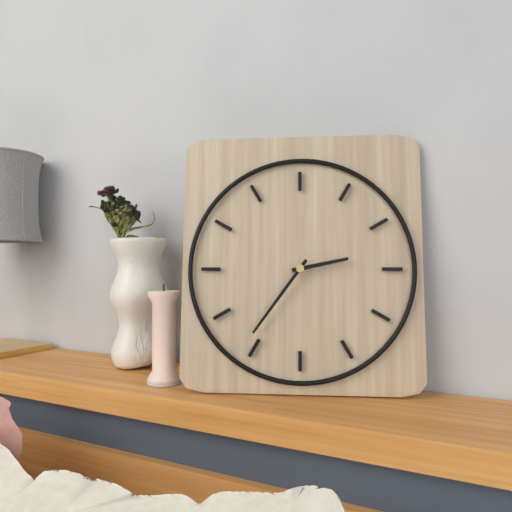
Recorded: 2:36
